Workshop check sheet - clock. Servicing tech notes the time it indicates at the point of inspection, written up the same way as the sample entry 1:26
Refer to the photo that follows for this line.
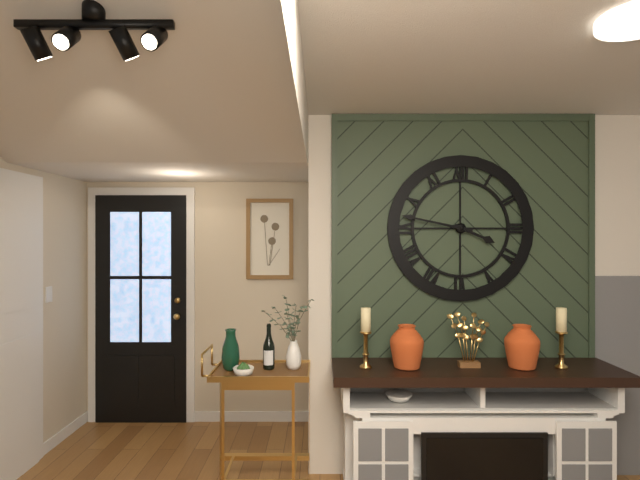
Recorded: 3:47
